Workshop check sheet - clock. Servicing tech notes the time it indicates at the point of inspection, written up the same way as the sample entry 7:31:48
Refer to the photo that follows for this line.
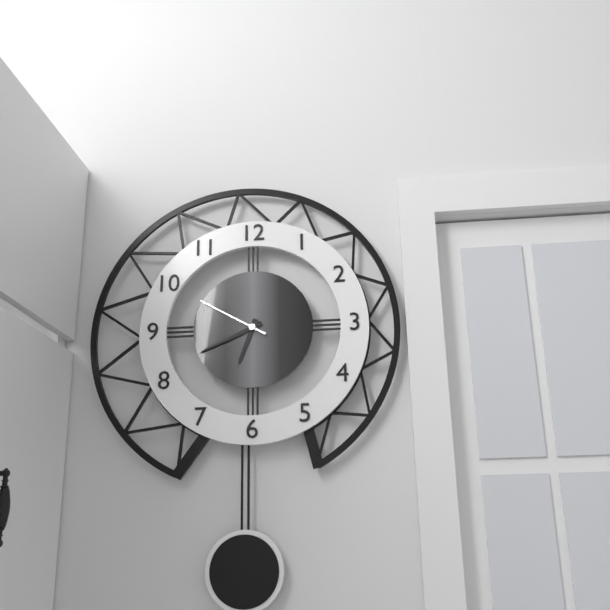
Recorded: 6:41:50
